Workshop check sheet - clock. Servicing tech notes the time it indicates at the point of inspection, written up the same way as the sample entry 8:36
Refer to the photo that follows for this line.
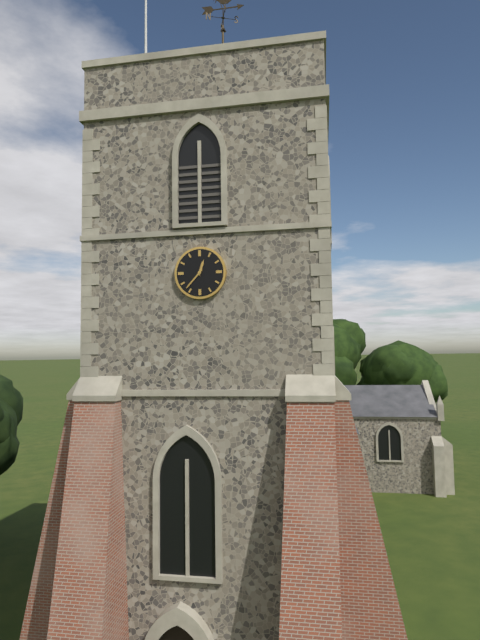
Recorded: 12:37
